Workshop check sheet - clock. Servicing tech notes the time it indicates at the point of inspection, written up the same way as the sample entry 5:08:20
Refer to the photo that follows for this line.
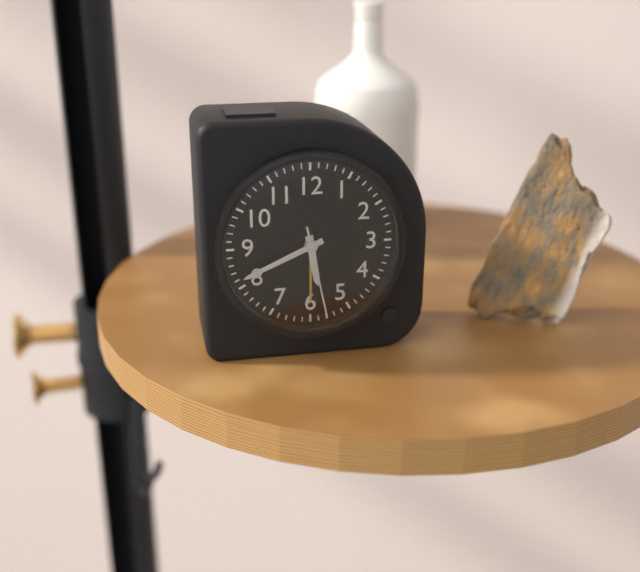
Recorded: 5:41:28
